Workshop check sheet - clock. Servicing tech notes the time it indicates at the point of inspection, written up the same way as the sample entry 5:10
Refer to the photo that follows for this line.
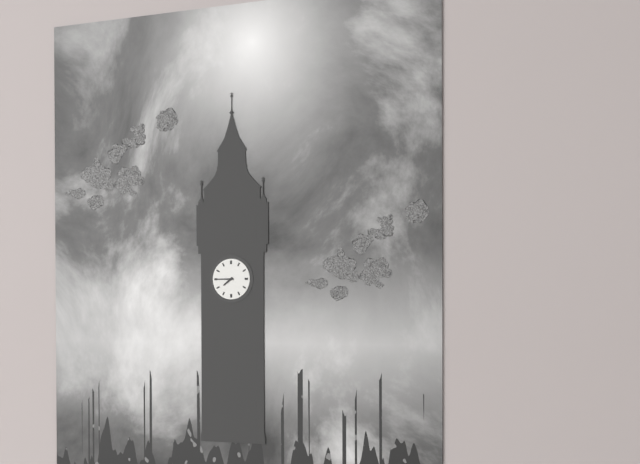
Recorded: 7:45
